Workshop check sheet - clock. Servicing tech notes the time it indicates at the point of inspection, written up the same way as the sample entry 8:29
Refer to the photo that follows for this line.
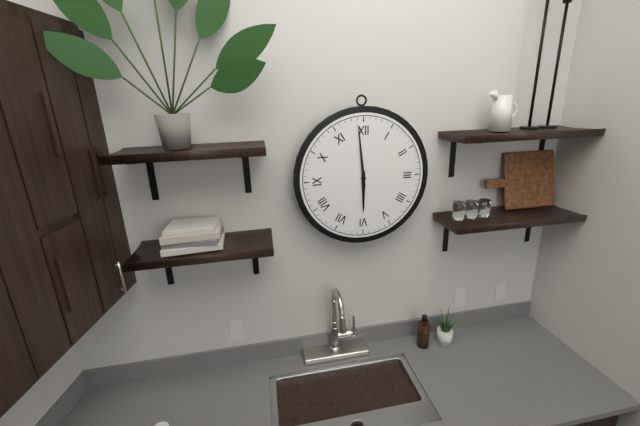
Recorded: 5:59
